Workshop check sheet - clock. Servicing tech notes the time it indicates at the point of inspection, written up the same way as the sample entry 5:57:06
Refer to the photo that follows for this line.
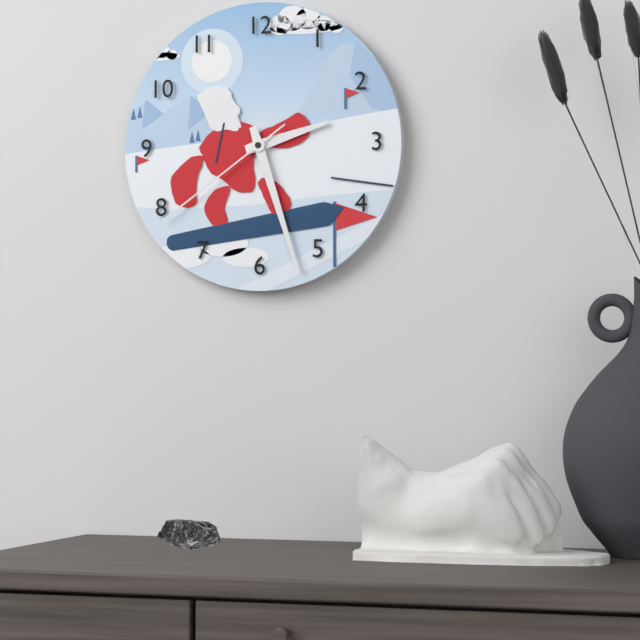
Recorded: 2:27:39
